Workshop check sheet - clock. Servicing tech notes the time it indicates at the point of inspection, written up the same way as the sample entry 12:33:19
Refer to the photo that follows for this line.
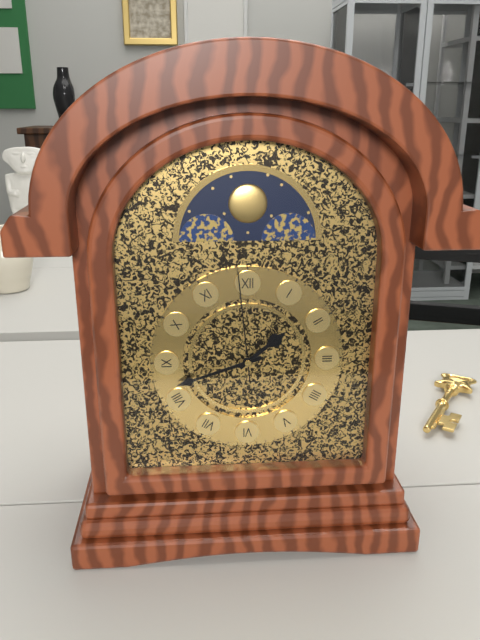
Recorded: 1:42:59
